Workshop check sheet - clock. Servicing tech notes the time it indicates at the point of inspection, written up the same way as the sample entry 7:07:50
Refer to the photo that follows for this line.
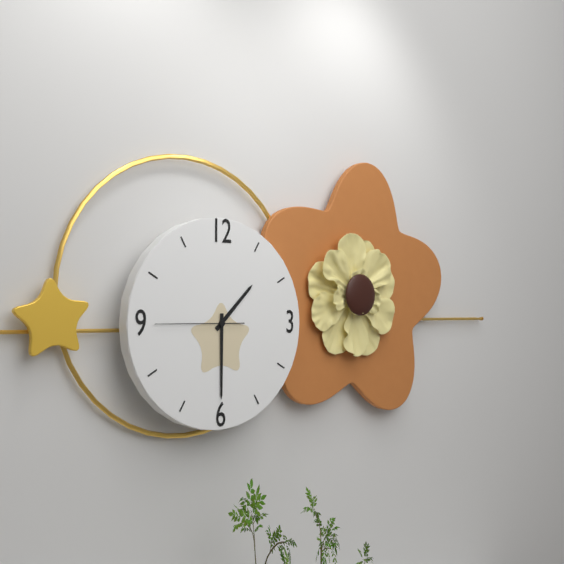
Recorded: 1:30:45
